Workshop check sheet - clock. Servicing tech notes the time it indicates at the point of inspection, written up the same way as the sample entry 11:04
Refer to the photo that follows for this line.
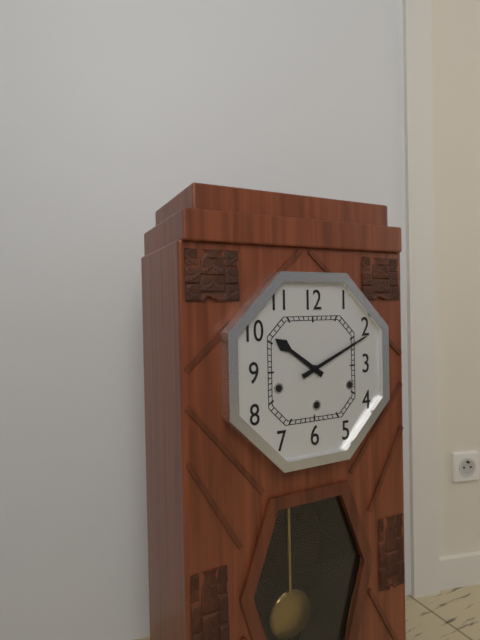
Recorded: 10:11
